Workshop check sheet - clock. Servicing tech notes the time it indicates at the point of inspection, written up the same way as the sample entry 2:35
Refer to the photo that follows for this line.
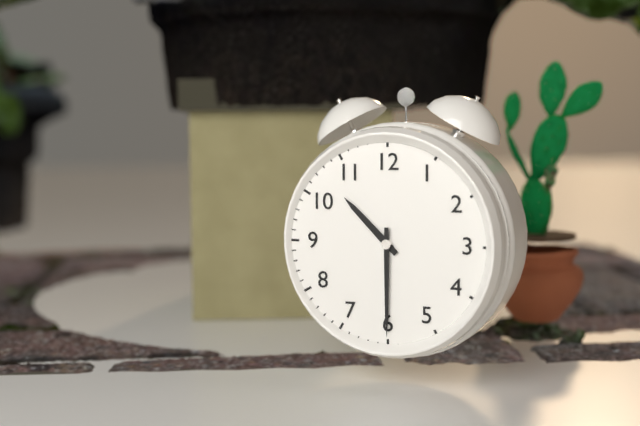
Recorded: 10:30
